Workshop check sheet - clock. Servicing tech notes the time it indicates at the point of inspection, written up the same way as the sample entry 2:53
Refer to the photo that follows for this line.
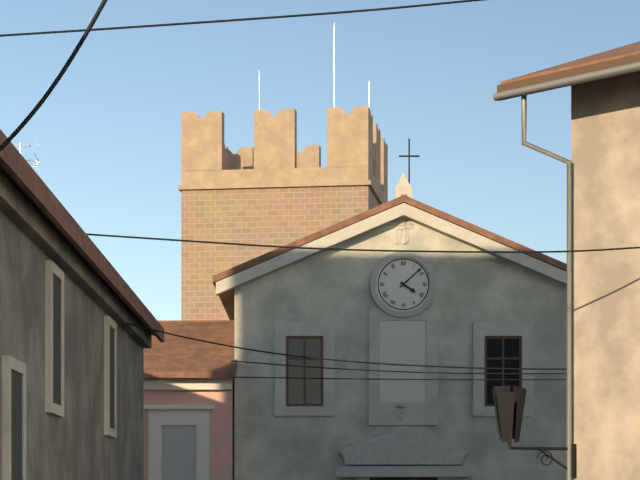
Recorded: 4:08
